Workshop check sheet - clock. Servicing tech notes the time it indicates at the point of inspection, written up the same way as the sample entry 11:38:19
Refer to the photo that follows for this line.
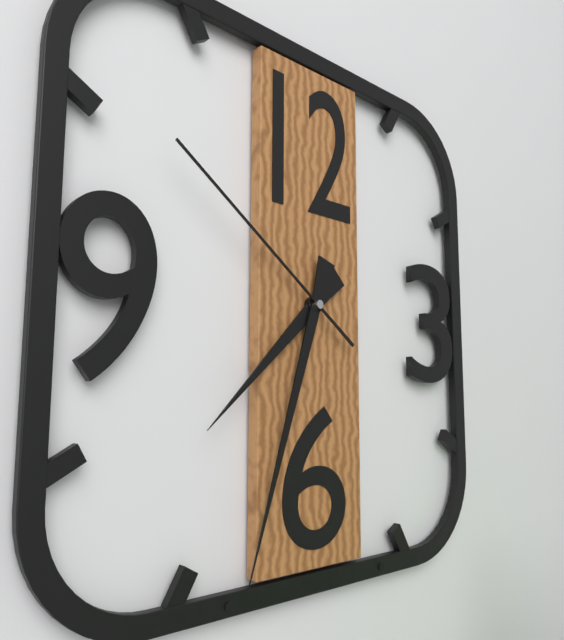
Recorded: 7:33:51
